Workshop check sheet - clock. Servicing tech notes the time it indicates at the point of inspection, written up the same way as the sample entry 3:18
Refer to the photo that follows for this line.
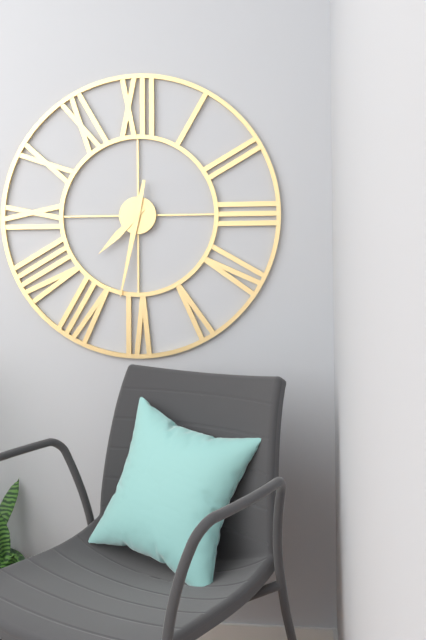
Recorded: 7:32
